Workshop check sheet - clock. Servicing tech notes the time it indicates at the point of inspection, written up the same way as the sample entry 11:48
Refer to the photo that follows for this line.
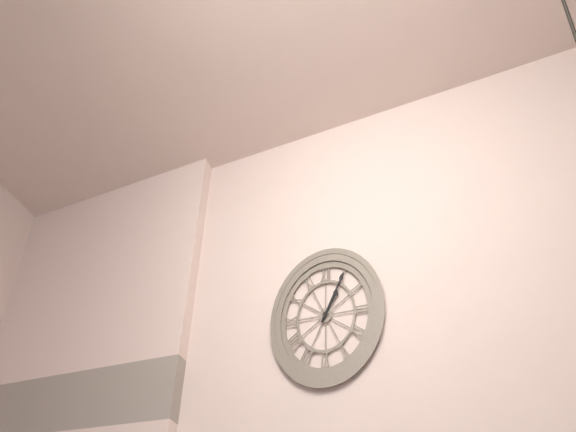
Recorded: 1:05
